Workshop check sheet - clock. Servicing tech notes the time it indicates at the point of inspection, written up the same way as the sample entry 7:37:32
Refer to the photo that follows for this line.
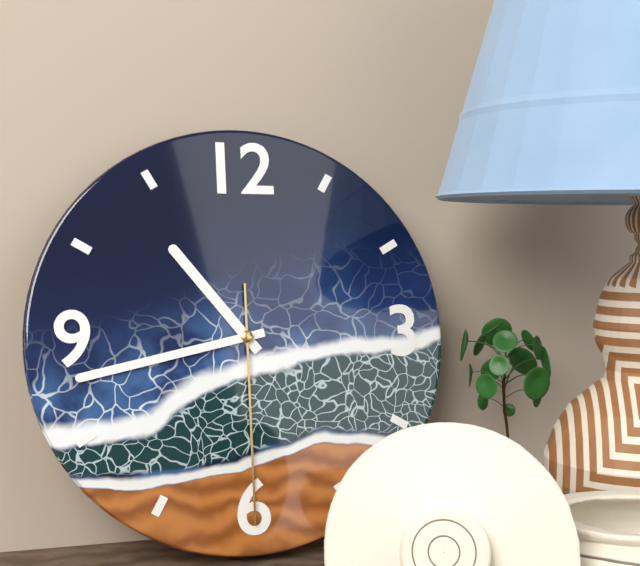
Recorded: 10:43:30
